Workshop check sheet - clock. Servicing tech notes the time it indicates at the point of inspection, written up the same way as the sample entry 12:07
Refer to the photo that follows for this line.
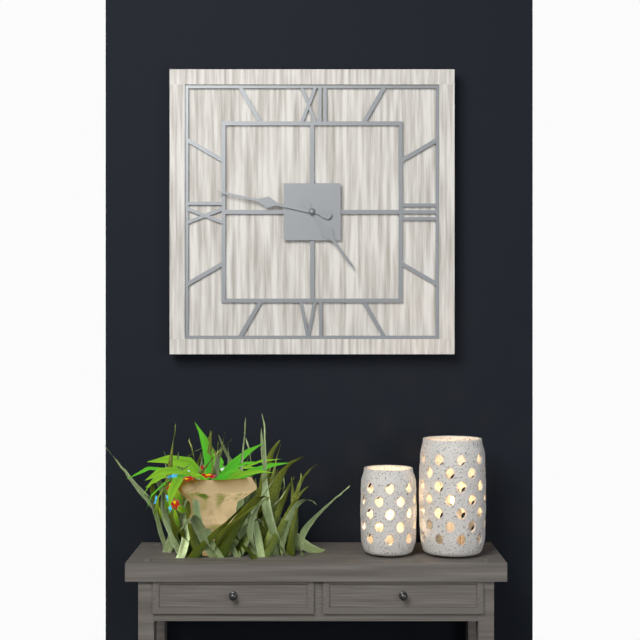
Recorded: 4:47
